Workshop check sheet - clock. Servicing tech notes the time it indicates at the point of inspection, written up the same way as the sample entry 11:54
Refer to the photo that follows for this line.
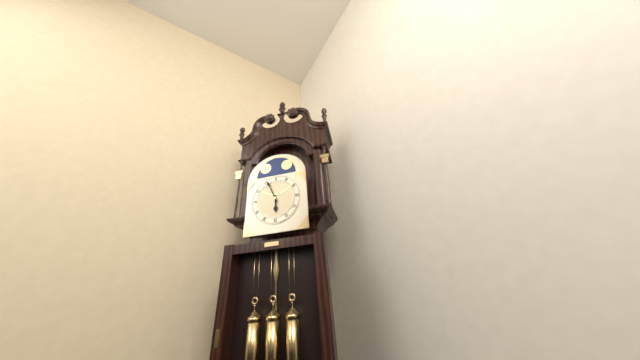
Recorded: 5:56
